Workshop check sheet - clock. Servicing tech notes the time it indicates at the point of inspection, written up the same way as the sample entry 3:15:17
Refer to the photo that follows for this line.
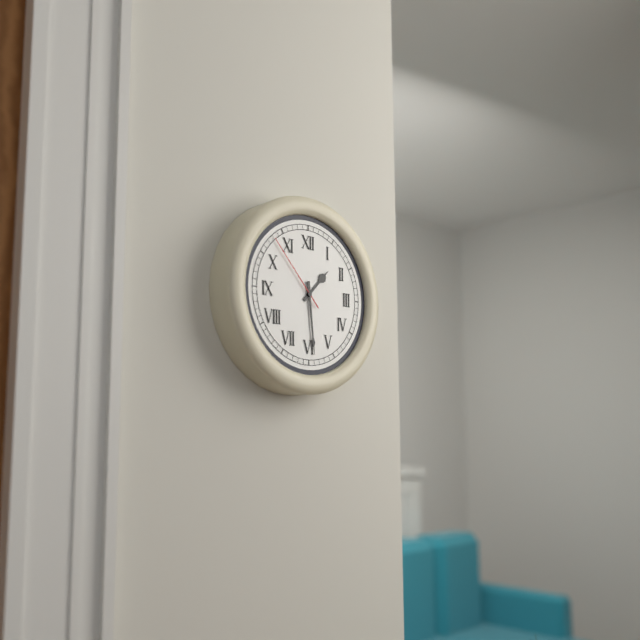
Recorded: 1:29:53
